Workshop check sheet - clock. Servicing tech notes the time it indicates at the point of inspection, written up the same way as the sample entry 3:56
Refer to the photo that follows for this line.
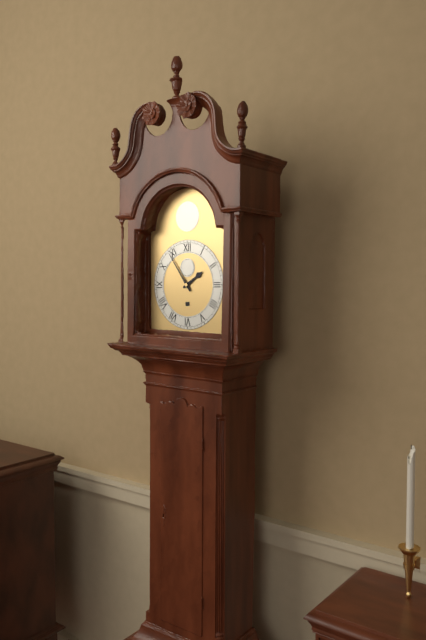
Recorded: 1:54
